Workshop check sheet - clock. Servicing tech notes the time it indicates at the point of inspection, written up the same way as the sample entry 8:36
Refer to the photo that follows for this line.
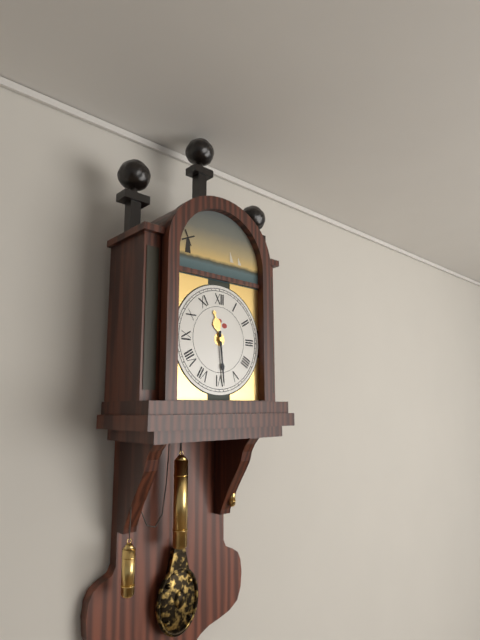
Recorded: 11:29
